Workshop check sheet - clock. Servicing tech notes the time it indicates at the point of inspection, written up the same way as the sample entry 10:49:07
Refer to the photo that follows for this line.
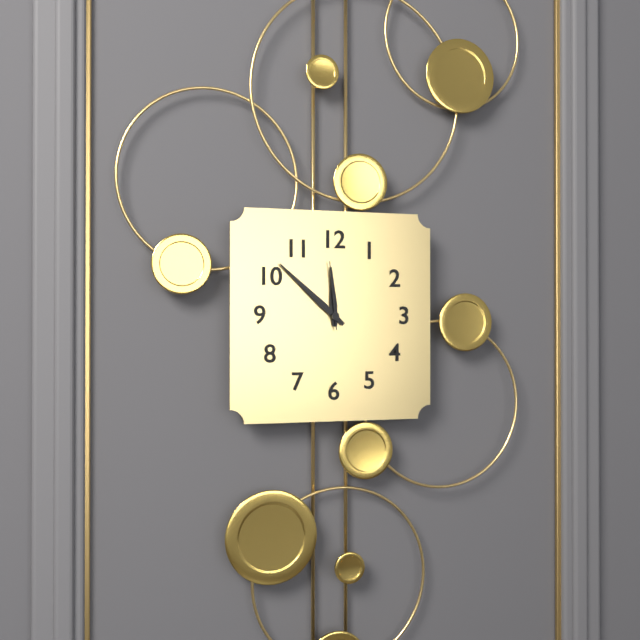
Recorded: 11:52:59
